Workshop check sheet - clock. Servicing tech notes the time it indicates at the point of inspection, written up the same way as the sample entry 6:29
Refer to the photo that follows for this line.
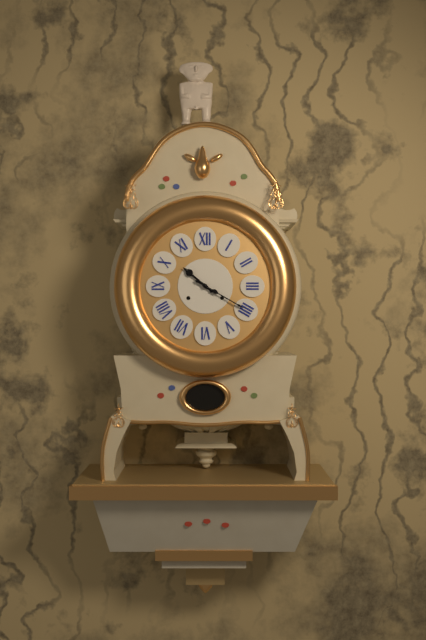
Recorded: 10:20
